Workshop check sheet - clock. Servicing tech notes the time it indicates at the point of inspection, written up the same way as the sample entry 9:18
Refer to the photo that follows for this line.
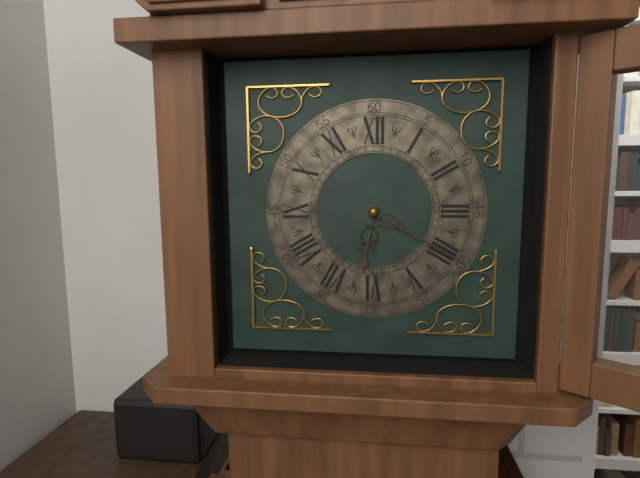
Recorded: 6:20
